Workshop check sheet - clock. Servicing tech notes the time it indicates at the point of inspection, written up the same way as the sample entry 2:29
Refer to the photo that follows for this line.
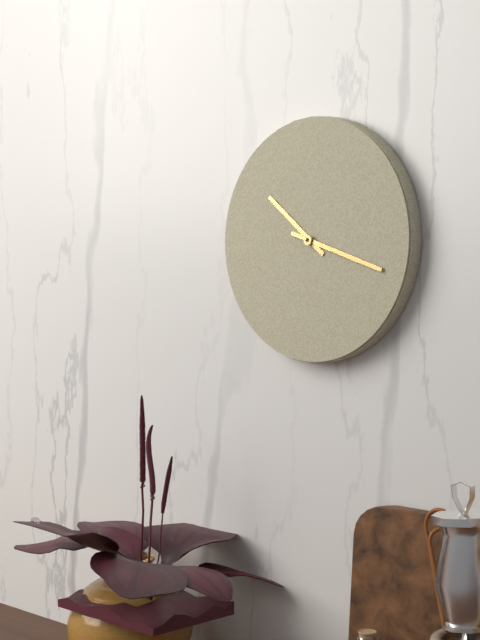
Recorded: 10:18
